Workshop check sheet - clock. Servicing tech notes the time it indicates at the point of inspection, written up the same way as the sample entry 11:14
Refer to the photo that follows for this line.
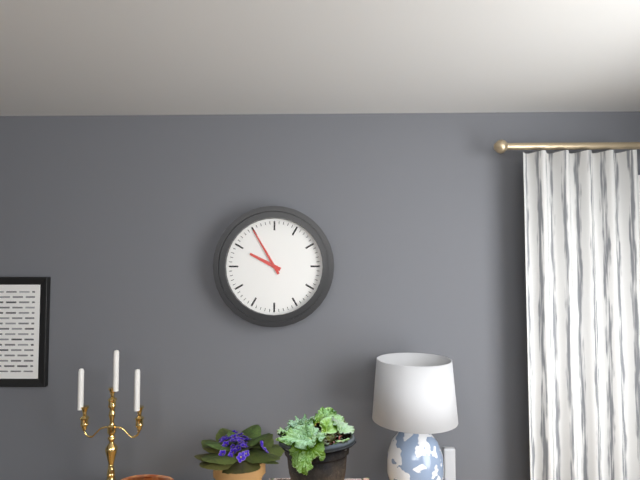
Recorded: 9:55
